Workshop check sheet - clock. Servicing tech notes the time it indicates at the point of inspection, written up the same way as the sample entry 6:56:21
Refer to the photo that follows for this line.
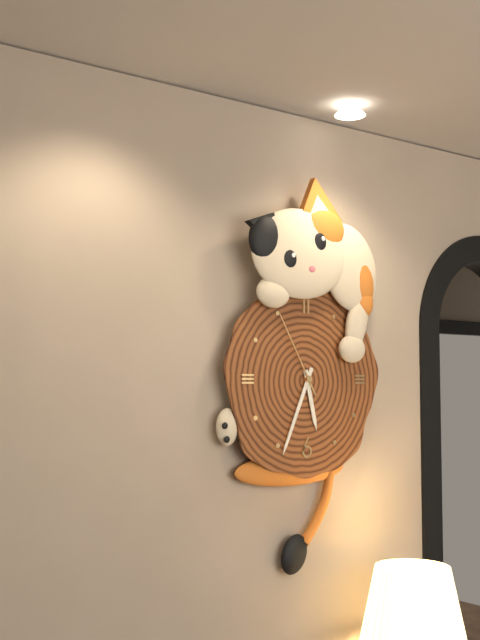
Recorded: 5:34:55
